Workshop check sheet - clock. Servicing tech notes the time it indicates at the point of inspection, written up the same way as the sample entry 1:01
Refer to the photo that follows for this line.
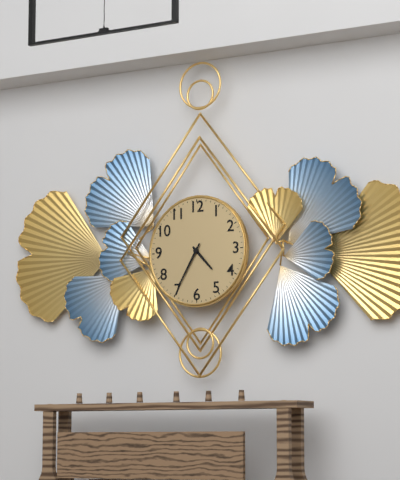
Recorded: 4:35
